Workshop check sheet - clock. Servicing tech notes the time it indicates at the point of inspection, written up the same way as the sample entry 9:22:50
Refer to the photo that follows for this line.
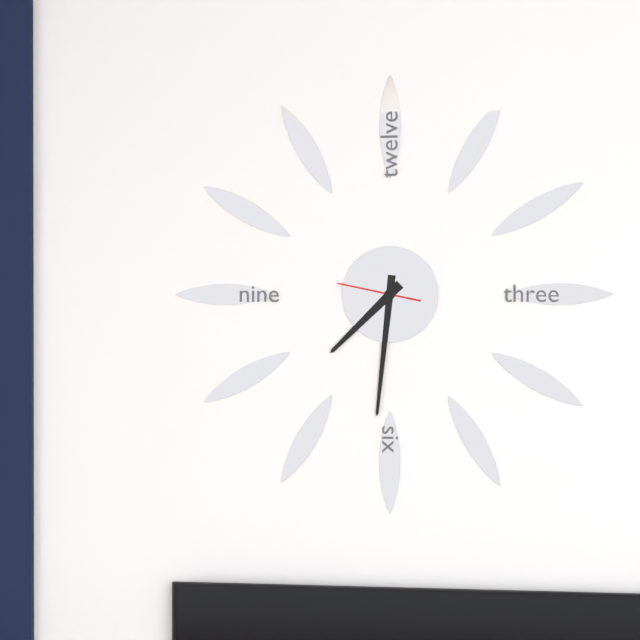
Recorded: 7:31:47
